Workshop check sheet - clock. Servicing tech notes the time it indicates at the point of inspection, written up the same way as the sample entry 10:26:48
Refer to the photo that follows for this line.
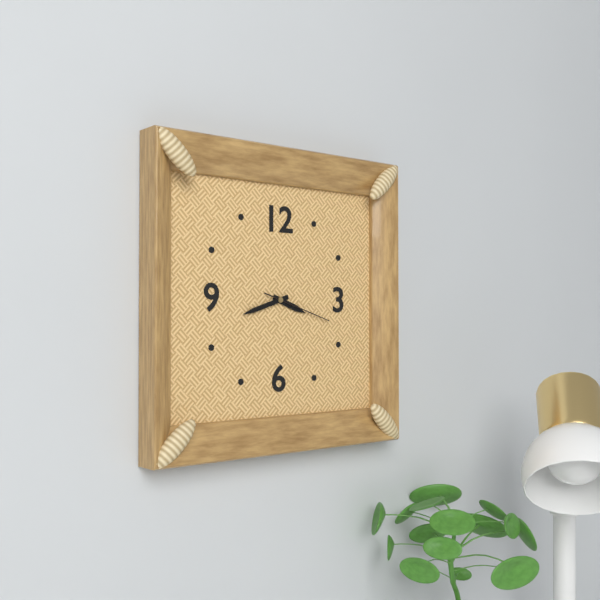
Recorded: 3:42:18
